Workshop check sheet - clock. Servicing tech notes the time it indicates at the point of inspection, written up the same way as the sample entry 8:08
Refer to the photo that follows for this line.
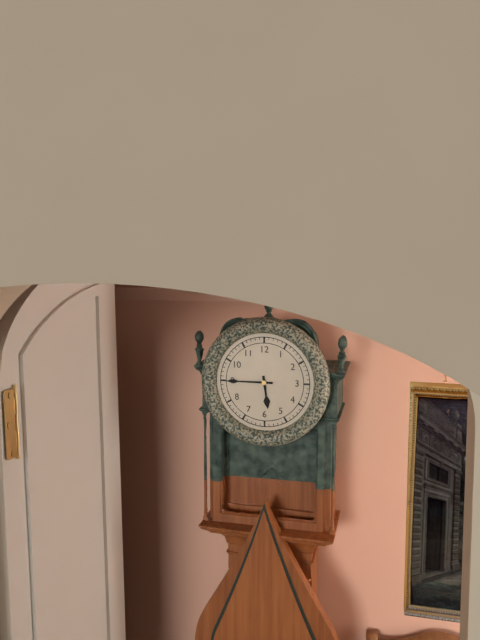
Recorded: 5:45
